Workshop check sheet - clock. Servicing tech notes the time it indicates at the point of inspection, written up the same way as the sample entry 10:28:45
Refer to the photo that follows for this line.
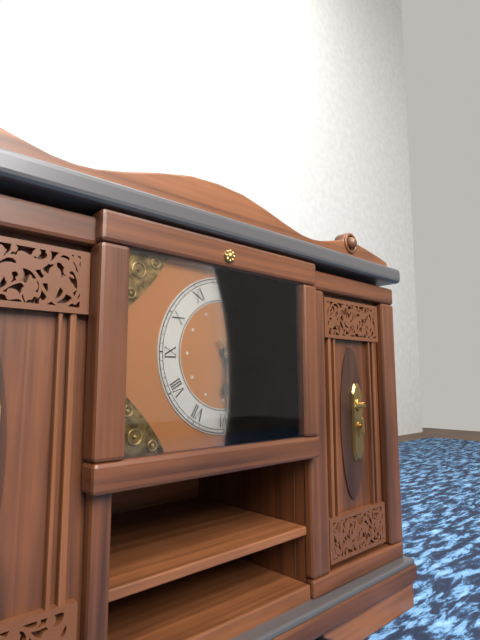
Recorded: 4:30:25
